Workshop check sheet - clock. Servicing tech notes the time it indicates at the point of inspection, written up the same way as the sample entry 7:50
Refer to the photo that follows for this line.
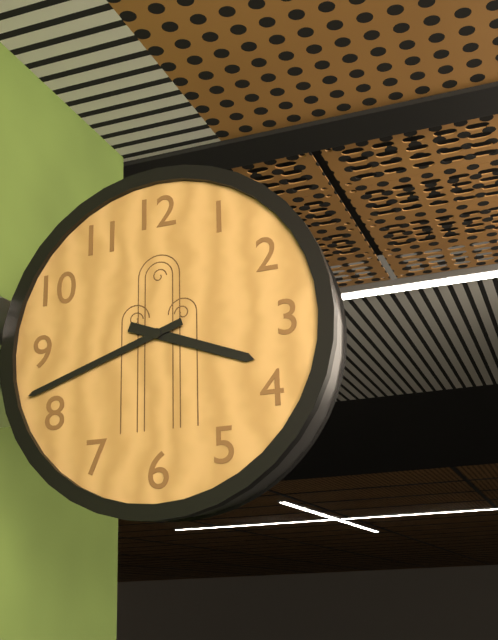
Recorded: 3:42
